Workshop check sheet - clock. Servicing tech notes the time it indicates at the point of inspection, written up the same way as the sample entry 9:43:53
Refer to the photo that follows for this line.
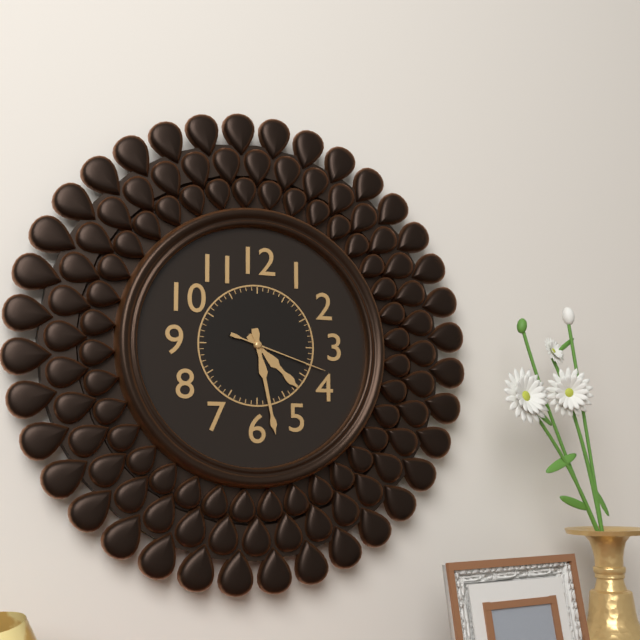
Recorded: 4:28:18
